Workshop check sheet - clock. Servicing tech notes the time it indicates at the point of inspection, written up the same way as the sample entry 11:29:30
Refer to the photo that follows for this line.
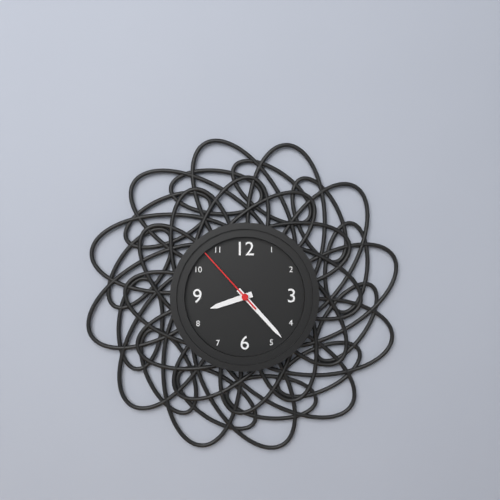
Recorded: 8:23:53
